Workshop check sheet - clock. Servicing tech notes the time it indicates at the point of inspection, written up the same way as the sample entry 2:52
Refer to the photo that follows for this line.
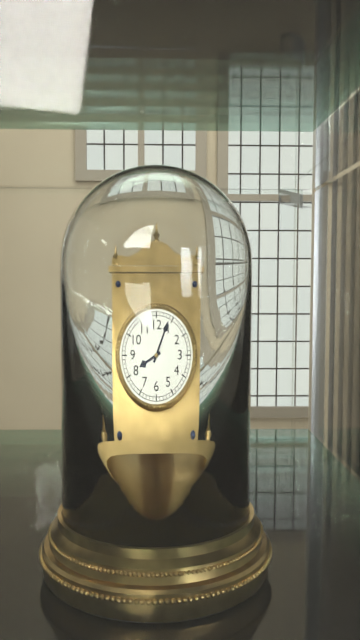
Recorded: 8:04
